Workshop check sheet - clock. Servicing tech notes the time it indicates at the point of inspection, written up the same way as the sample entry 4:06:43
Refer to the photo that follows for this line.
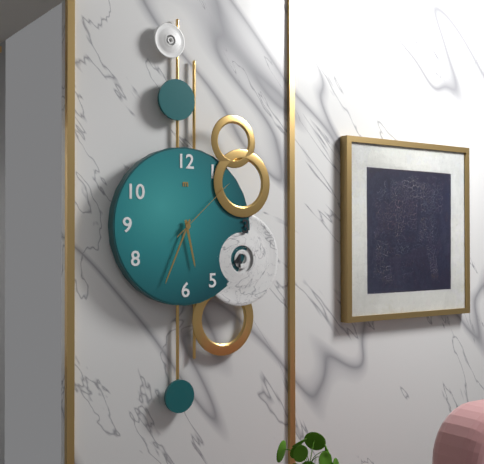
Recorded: 5:34:08
